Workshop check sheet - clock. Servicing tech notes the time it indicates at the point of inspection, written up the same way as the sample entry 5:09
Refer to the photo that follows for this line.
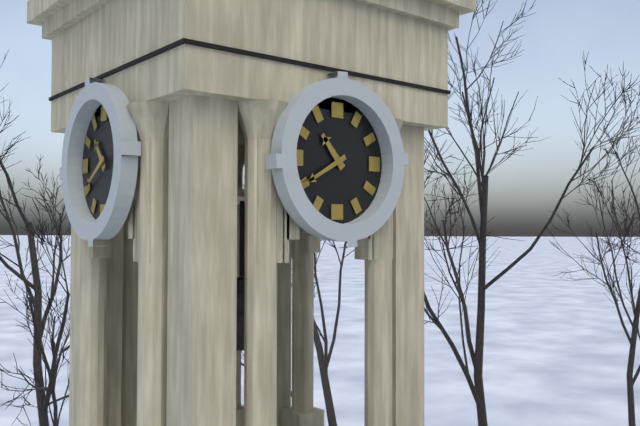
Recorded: 10:40
